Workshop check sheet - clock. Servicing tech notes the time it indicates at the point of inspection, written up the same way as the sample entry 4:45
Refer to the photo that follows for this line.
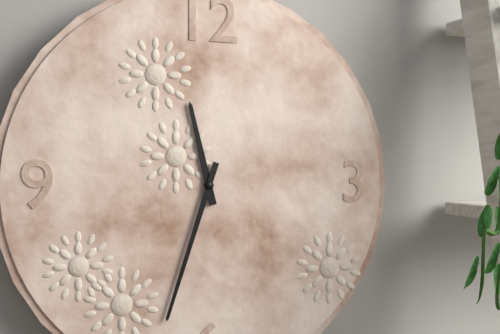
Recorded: 11:33
